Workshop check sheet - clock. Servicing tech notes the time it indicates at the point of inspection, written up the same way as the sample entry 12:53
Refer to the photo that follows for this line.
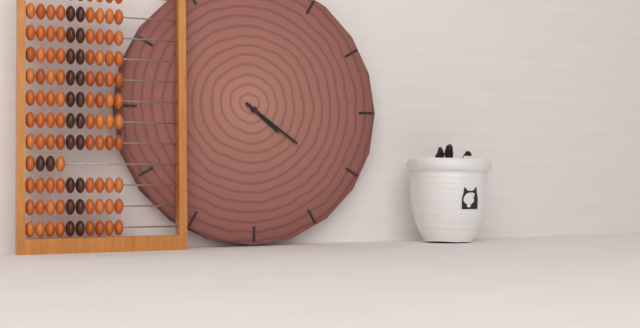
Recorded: 4:21
